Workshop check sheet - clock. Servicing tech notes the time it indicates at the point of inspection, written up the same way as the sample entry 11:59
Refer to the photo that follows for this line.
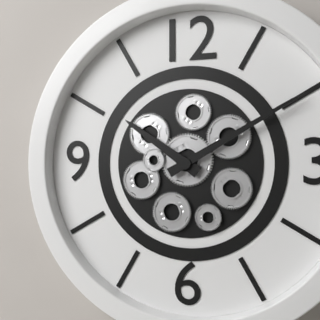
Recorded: 10:10
